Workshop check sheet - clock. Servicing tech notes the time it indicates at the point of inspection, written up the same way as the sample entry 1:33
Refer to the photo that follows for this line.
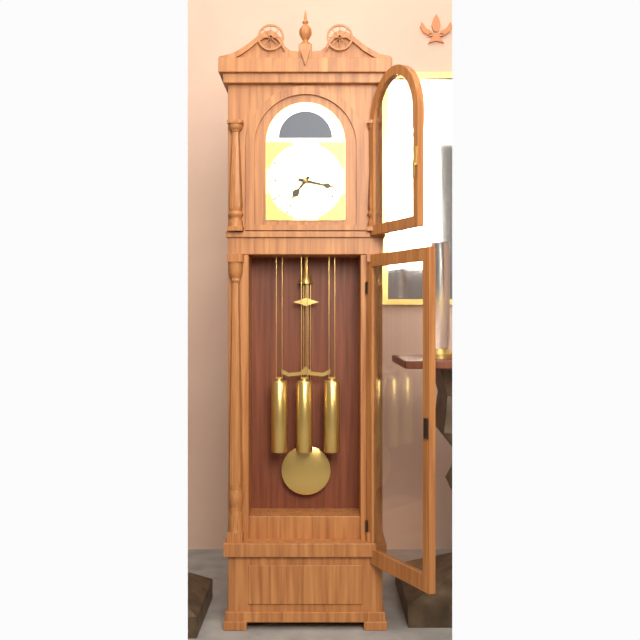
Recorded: 7:17
